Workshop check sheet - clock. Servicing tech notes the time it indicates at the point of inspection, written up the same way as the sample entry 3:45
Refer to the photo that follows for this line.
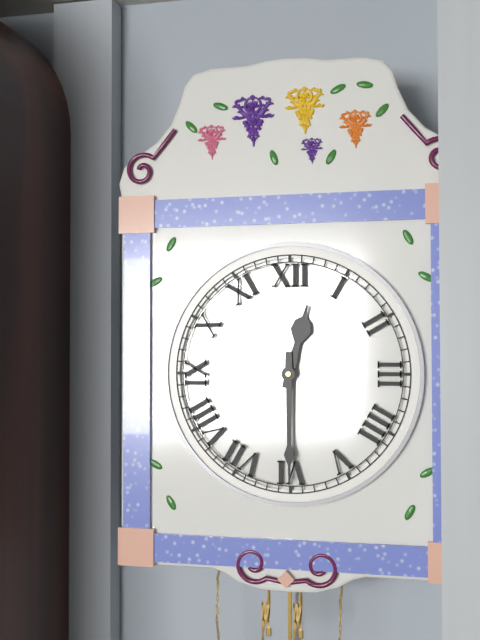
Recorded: 12:30
